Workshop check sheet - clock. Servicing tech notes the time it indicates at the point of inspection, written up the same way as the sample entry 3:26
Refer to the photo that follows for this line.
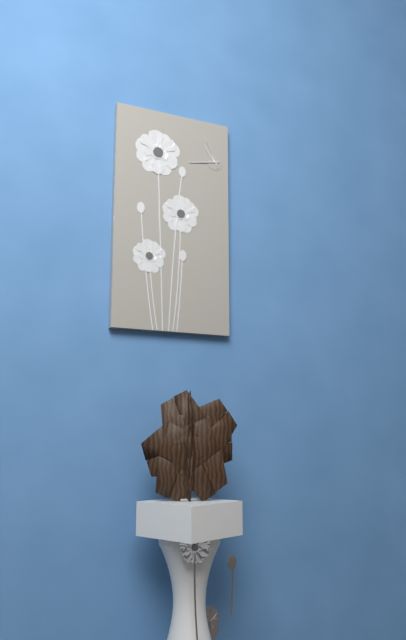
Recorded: 10:43
